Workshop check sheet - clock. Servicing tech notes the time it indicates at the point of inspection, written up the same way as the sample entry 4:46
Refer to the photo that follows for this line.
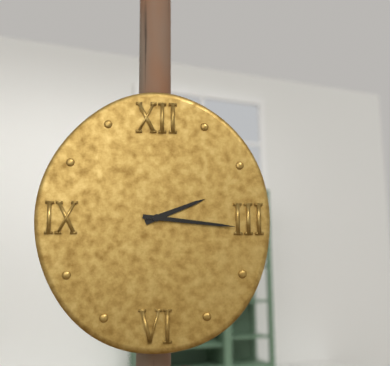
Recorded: 2:16
